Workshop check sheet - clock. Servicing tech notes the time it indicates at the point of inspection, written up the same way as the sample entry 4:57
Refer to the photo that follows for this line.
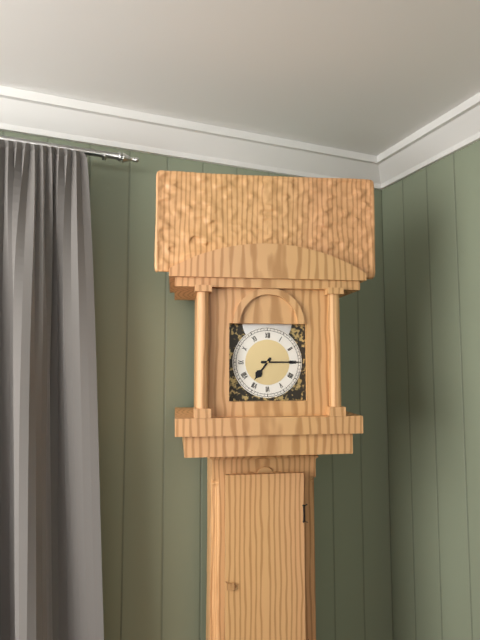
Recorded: 7:15
